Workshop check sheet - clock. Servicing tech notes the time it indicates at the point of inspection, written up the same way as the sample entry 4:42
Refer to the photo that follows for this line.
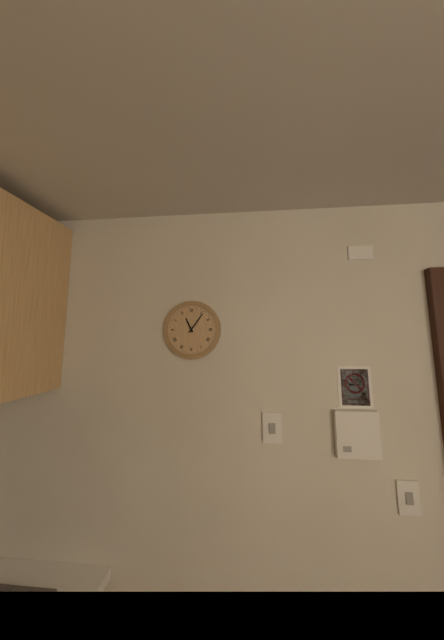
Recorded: 11:06
